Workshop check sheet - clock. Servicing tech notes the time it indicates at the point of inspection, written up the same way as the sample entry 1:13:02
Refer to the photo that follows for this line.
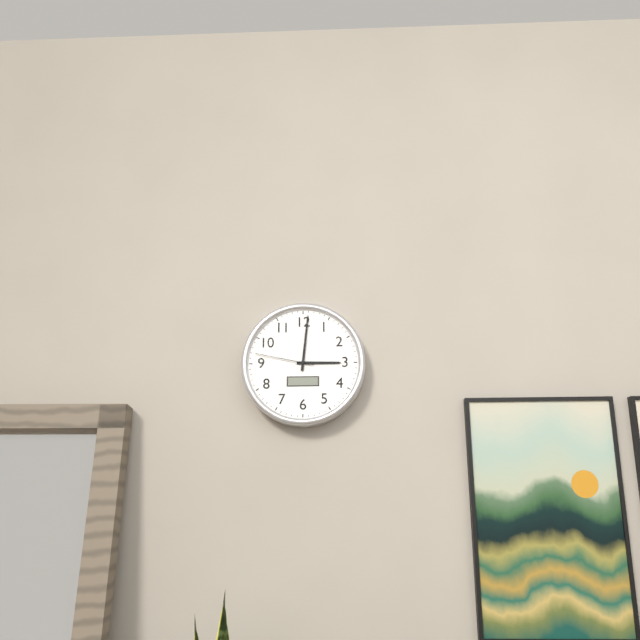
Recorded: 3:01:47
